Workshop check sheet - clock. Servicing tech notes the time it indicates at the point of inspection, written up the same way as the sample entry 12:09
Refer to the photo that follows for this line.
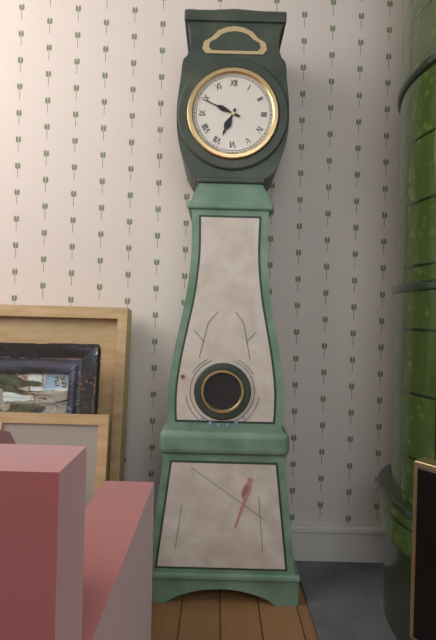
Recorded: 6:49
